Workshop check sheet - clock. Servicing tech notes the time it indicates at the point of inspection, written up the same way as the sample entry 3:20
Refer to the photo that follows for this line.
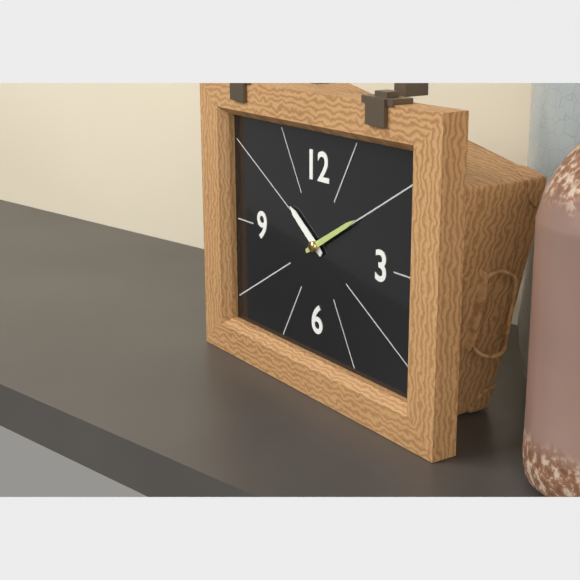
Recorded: 10:10
